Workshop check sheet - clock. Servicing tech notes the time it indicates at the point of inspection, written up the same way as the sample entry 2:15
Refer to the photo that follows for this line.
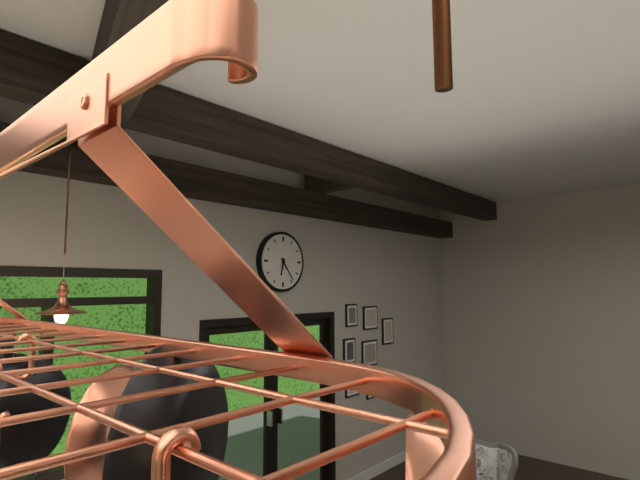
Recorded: 6:24
